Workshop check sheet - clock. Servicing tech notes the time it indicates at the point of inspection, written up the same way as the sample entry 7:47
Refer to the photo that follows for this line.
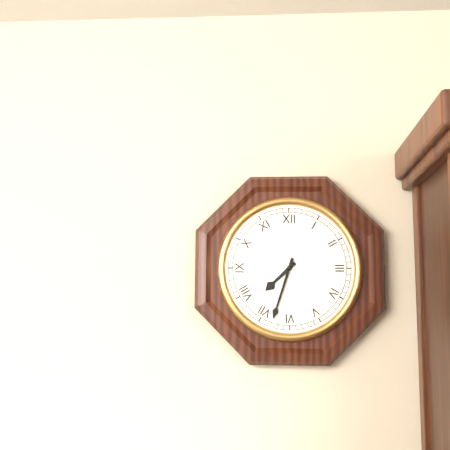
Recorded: 7:33
